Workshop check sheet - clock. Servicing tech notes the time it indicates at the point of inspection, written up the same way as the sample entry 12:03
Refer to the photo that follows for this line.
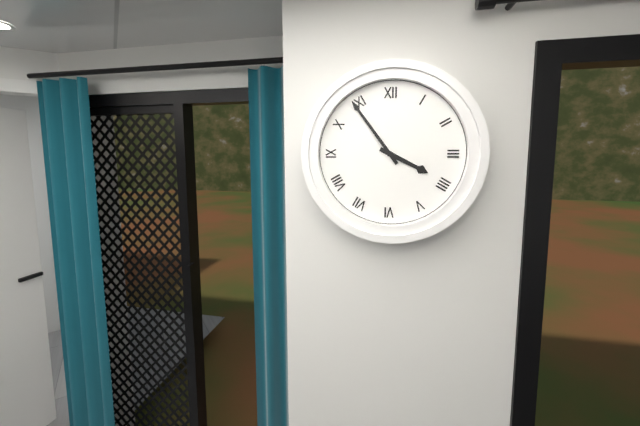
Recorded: 3:54
